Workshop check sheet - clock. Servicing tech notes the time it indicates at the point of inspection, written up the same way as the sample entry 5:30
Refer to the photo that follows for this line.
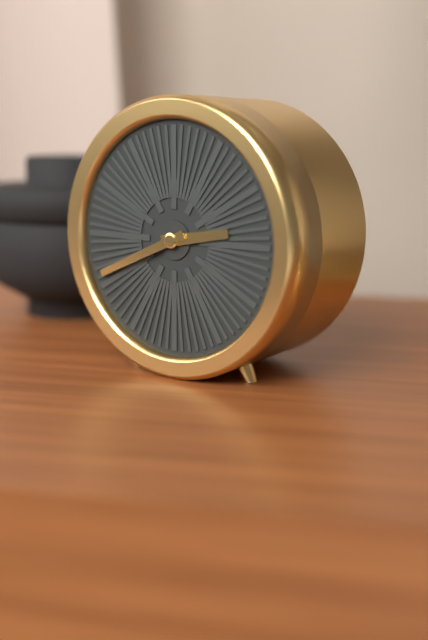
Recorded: 2:41
